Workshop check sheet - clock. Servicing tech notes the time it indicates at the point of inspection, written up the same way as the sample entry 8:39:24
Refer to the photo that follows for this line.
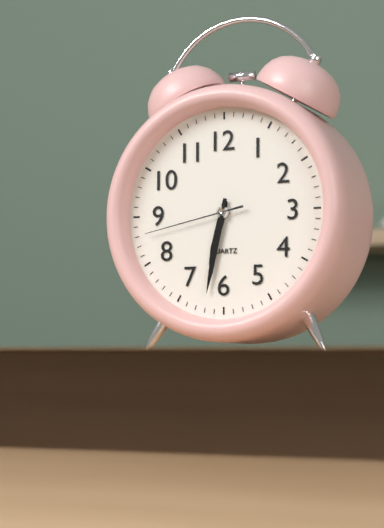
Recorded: 6:32:43
